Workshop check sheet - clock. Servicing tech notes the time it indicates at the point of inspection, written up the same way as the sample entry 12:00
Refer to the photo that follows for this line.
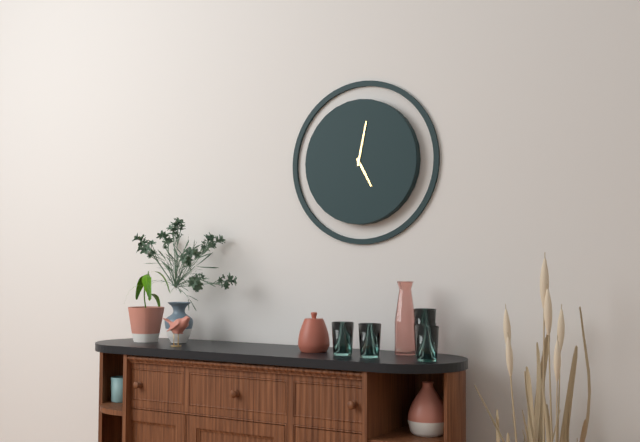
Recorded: 5:02
